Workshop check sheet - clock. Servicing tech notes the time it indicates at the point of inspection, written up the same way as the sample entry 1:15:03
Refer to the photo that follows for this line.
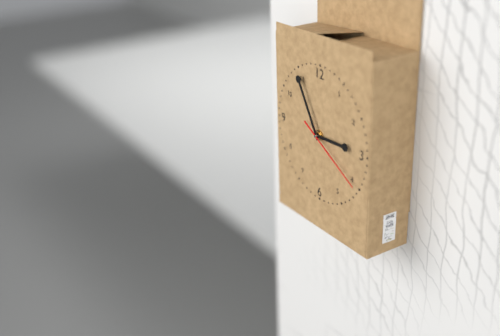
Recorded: 2:55:20
